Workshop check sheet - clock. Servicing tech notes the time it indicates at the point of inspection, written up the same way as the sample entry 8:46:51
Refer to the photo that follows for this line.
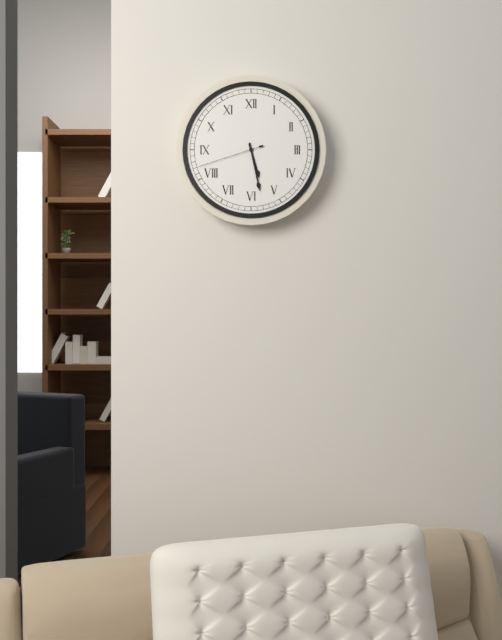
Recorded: 5:28:42
